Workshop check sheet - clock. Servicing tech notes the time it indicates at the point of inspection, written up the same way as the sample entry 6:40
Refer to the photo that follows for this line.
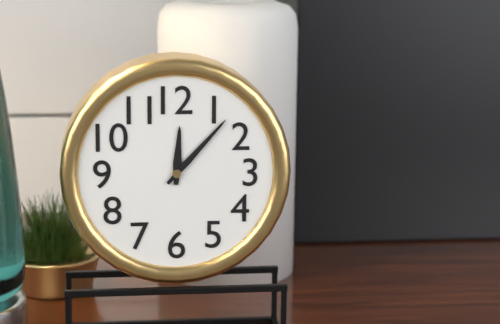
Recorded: 12:07
